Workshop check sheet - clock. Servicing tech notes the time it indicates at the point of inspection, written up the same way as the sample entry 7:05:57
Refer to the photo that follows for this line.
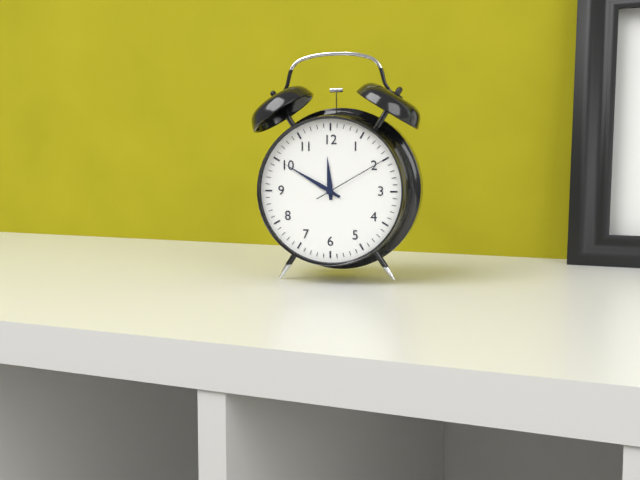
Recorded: 11:50:10
